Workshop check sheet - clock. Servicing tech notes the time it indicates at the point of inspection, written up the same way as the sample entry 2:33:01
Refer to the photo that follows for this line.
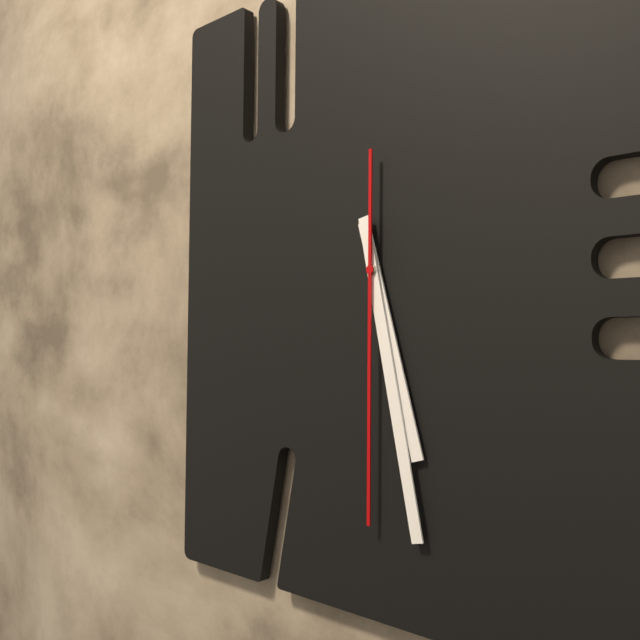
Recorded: 5:28:30
